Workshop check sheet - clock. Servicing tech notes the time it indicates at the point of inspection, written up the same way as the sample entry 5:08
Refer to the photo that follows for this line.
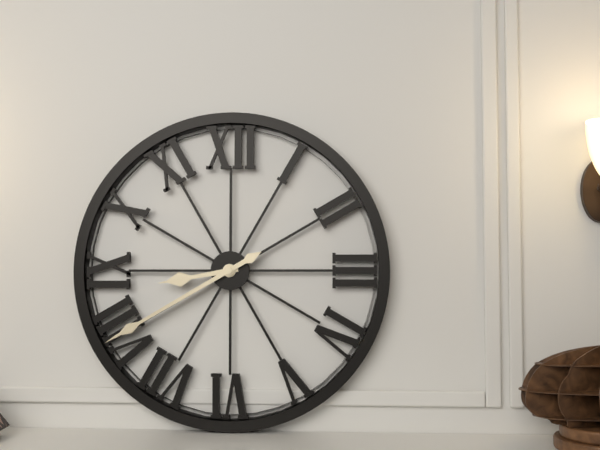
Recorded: 8:40
